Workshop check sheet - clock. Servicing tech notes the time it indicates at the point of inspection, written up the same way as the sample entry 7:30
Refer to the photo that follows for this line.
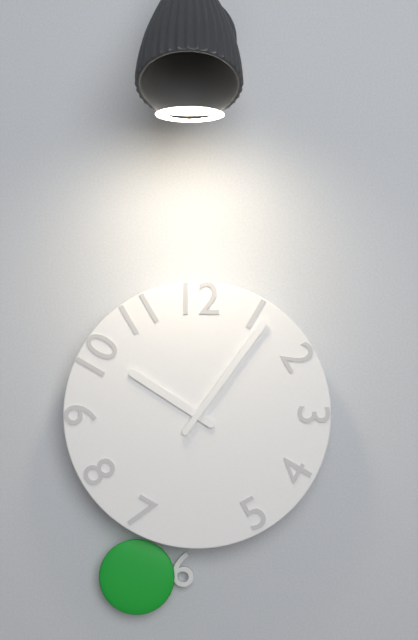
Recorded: 10:06
